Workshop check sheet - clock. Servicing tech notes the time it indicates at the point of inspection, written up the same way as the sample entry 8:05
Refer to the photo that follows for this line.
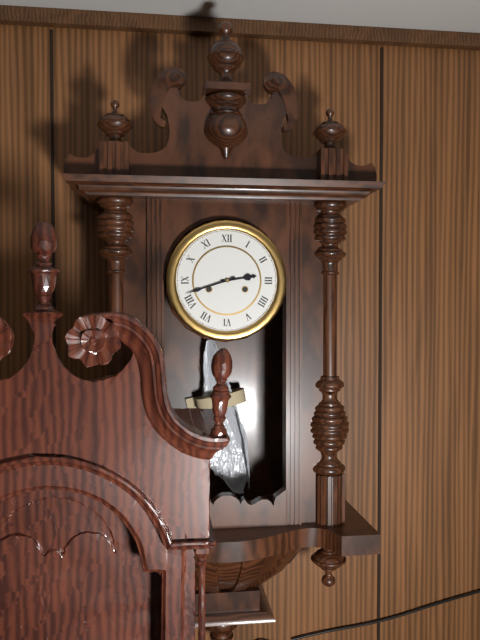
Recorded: 2:42
